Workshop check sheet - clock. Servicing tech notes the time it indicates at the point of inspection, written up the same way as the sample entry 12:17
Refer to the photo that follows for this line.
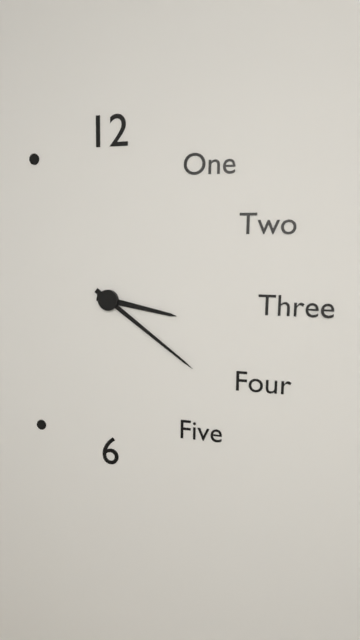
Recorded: 3:21
